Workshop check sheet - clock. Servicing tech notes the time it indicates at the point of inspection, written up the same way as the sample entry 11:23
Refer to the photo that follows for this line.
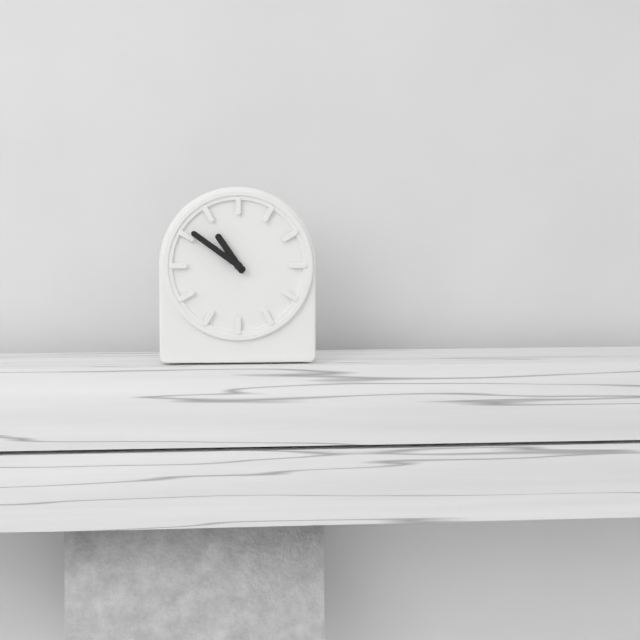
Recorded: 10:51
